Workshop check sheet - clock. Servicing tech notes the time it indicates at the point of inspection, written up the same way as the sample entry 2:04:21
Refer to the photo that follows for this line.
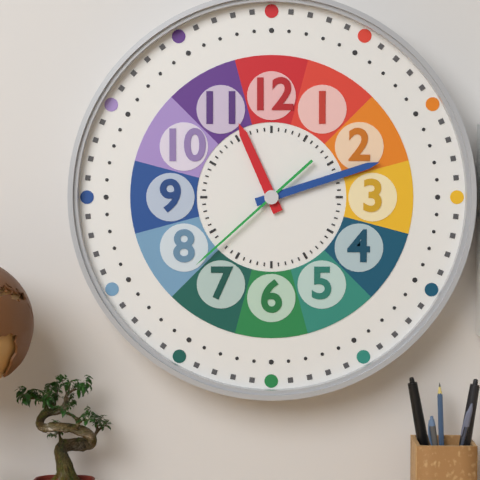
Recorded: 11:12:38
